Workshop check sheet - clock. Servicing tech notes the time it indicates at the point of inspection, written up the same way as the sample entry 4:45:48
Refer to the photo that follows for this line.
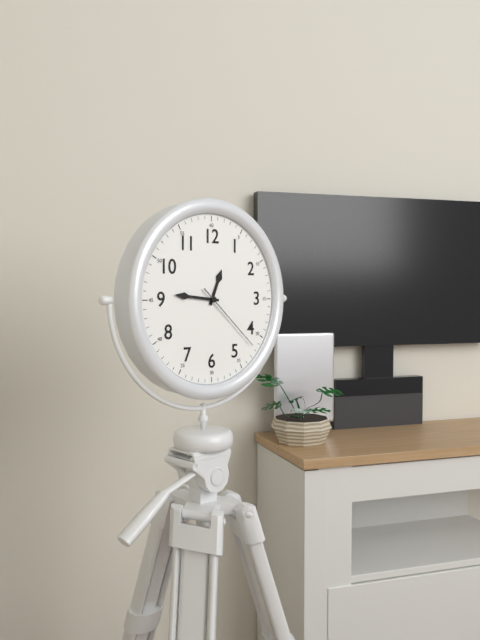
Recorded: 12:46:22
